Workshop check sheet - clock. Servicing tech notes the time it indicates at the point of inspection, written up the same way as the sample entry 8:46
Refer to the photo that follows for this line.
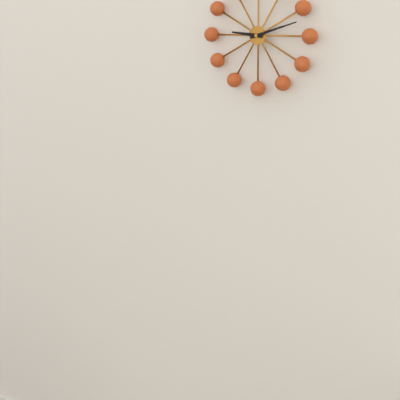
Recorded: 9:12
